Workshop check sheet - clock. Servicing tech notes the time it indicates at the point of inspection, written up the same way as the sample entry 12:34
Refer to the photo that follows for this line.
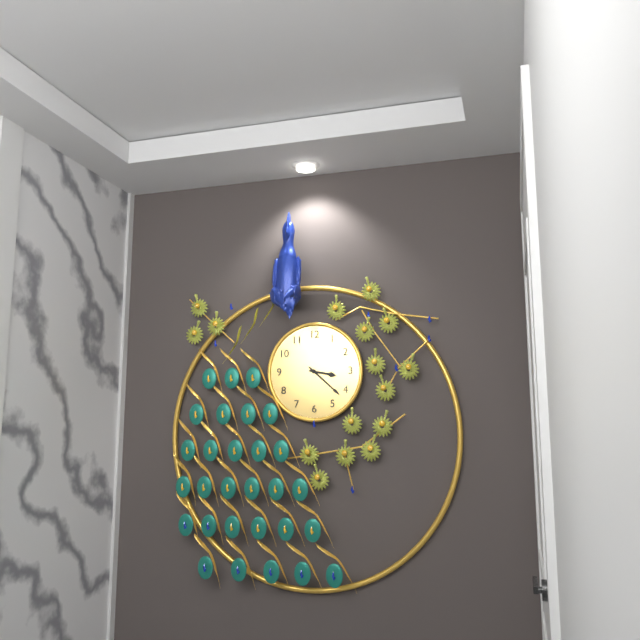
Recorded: 3:22
